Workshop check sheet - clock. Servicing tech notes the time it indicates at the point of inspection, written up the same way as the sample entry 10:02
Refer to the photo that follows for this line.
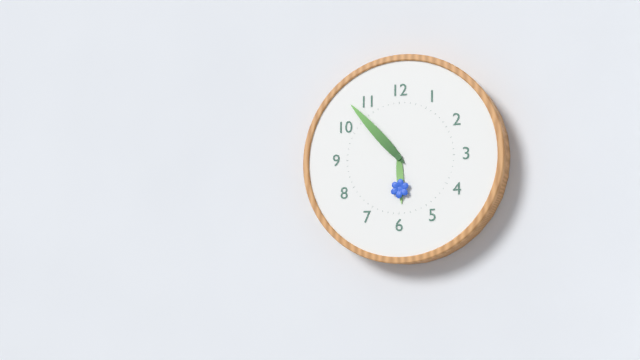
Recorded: 5:53
